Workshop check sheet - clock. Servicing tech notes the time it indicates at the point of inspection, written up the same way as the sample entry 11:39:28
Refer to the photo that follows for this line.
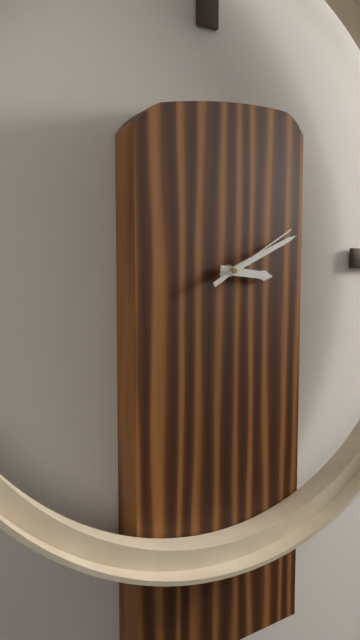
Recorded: 3:11:10
